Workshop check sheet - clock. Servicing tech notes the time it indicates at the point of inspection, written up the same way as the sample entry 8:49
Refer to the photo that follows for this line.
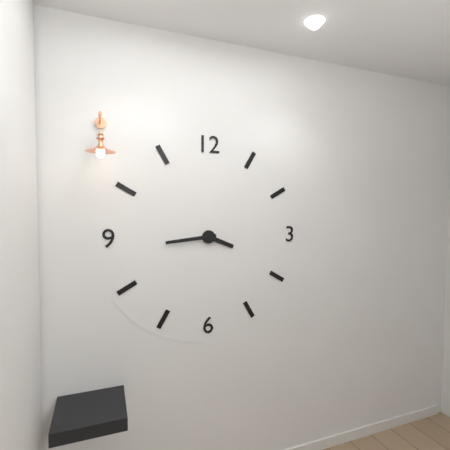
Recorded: 3:44
